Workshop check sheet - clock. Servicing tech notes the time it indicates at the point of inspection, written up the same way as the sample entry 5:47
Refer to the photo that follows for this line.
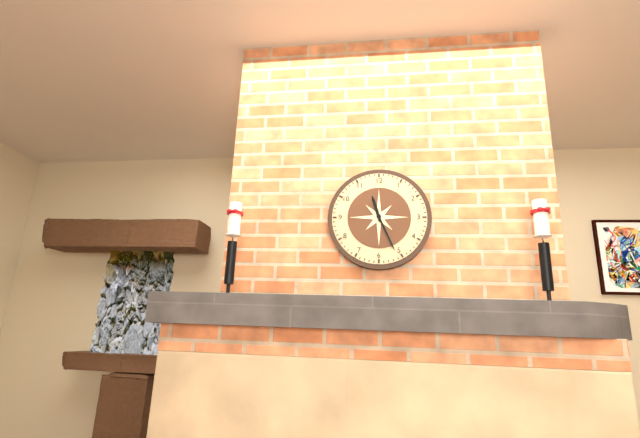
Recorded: 11:26
